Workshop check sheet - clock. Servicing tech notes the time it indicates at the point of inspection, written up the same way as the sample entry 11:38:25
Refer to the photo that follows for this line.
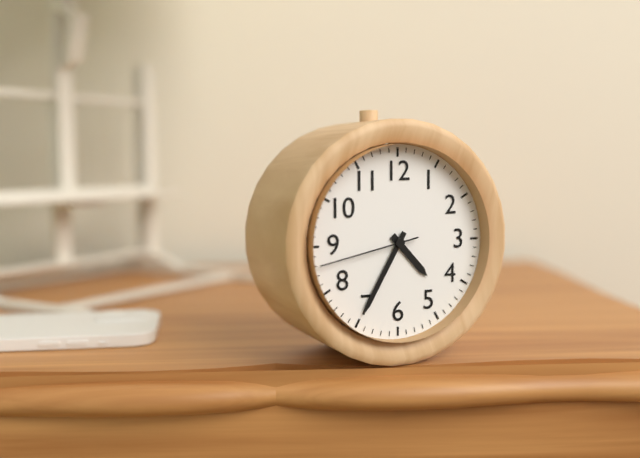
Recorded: 4:35:43
